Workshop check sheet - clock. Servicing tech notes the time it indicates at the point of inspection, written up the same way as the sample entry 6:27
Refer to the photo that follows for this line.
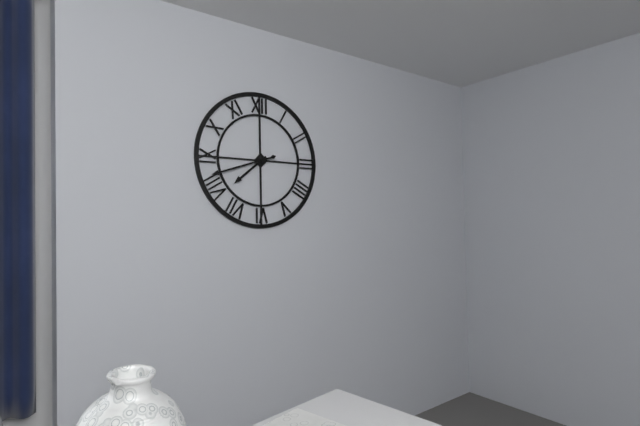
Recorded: 7:42
